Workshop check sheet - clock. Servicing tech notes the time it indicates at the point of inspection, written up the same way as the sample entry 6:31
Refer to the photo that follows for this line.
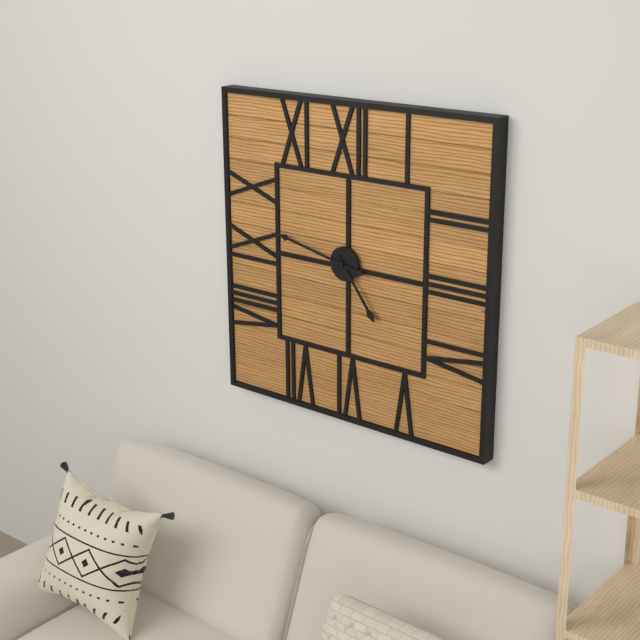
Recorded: 4:47
